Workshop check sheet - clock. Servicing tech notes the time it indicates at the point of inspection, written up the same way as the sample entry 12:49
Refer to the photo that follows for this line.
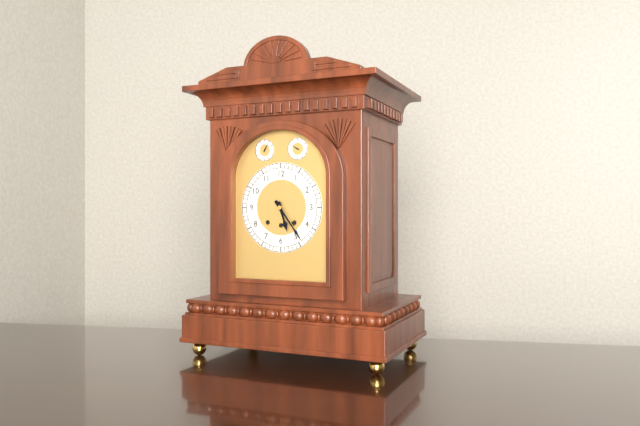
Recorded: 5:24
